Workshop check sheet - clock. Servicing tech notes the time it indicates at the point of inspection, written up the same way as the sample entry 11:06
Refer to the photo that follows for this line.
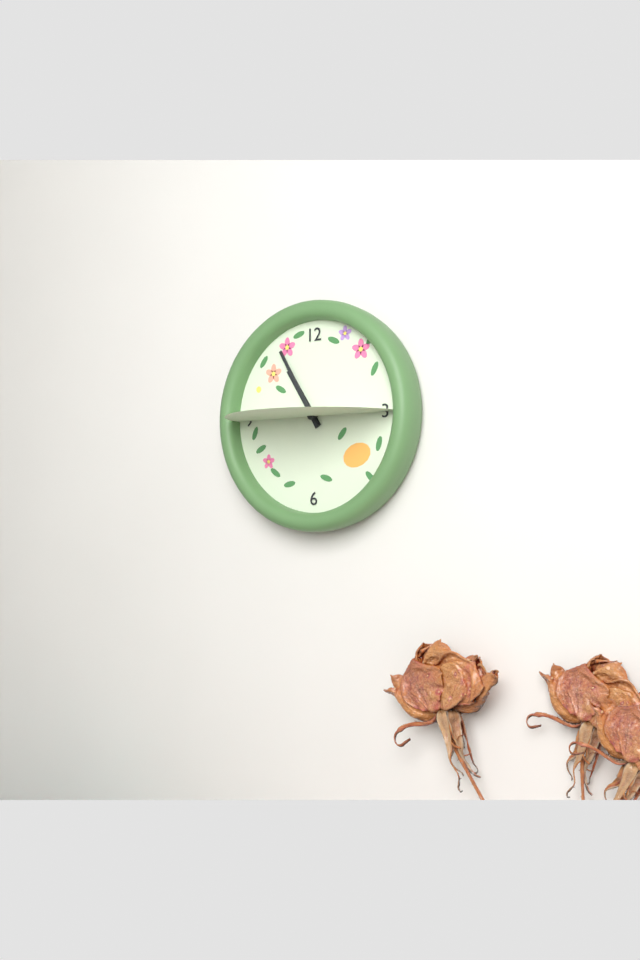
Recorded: 10:55
